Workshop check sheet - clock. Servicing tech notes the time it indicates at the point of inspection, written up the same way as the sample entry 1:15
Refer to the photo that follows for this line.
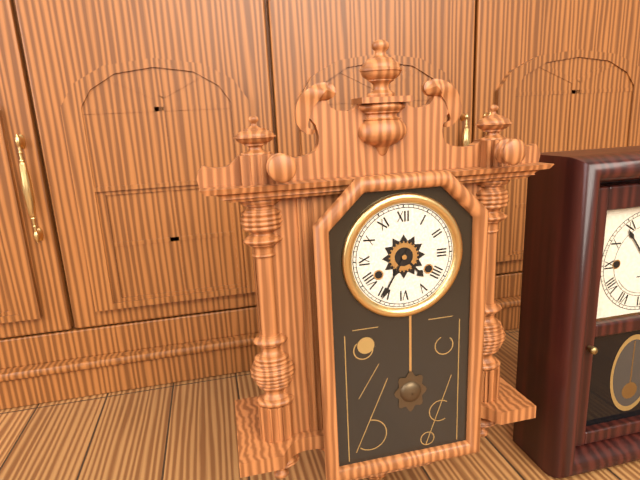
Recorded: 4:35
